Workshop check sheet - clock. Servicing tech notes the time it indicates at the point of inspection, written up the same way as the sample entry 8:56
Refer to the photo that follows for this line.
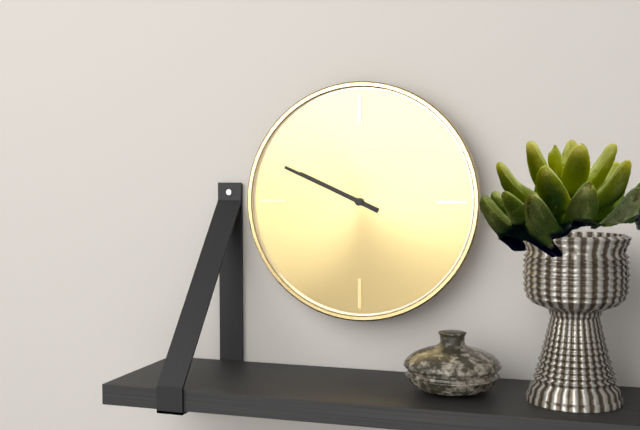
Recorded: 9:49
